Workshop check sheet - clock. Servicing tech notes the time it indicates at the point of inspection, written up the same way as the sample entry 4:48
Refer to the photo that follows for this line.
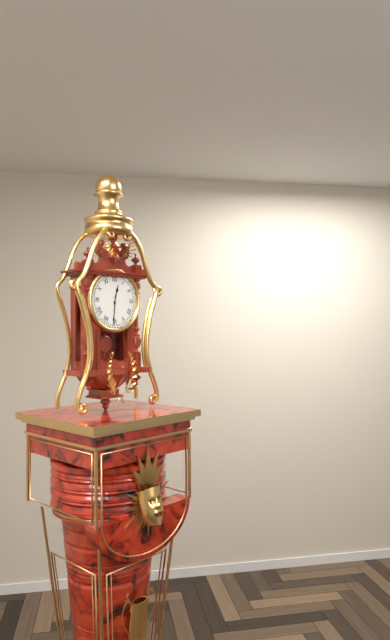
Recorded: 12:31
